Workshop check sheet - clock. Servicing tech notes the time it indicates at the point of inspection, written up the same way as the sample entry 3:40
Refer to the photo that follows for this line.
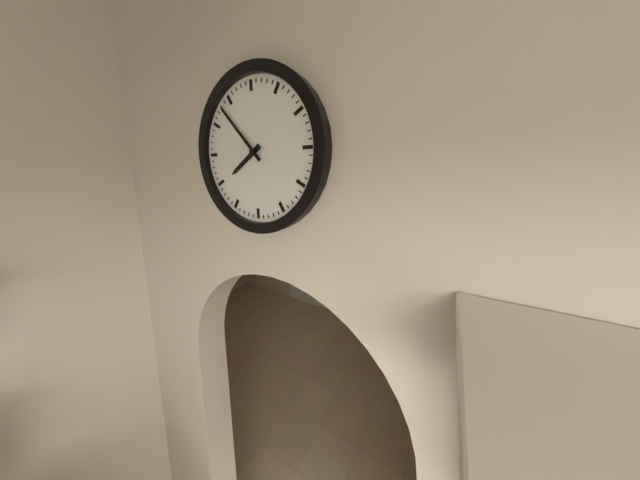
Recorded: 7:53
